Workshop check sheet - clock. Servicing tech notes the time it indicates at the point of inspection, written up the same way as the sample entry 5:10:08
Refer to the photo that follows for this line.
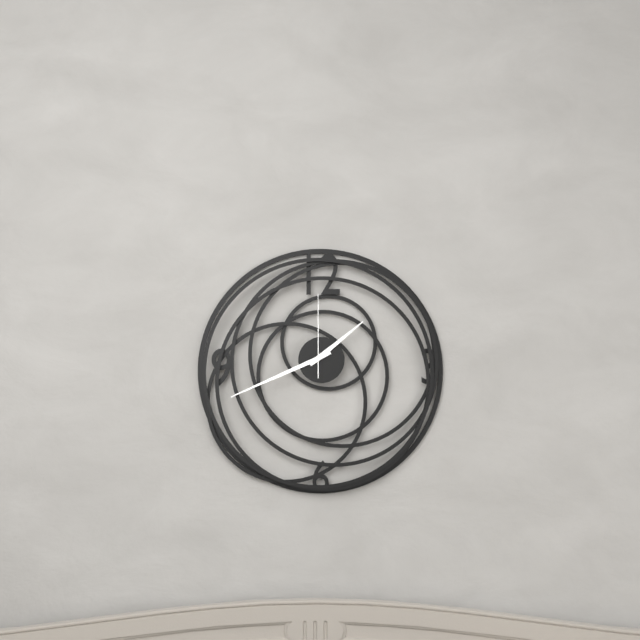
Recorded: 1:41:00
